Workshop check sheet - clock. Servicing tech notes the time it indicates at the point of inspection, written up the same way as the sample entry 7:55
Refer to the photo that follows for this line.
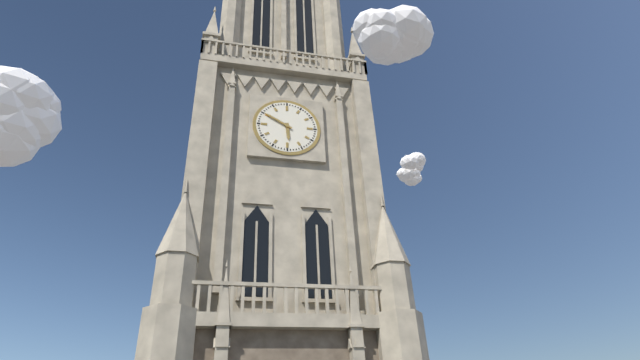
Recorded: 5:50
